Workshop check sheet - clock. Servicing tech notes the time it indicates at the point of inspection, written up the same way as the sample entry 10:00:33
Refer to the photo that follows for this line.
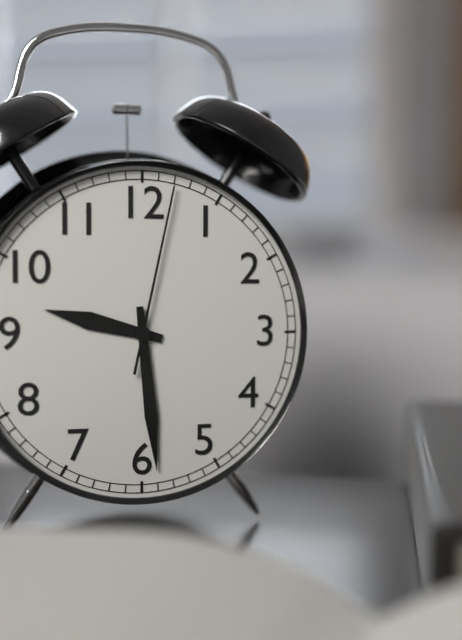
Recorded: 9:29:02
